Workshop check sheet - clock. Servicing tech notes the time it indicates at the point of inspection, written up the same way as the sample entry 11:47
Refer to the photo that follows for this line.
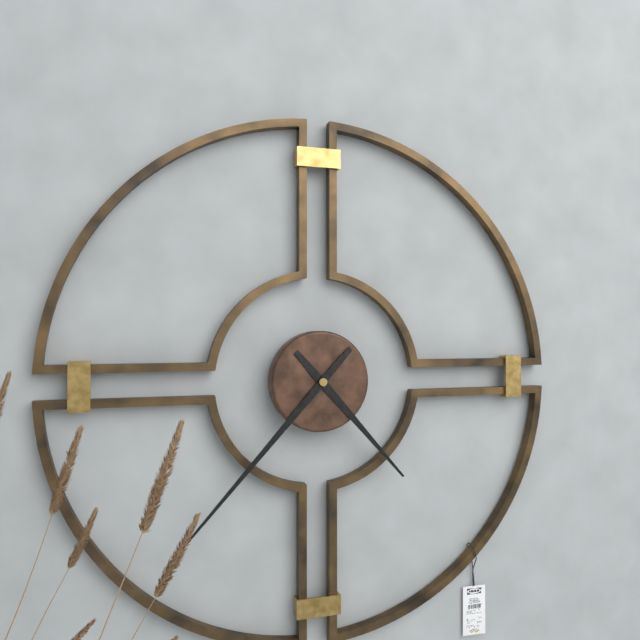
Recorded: 4:37
